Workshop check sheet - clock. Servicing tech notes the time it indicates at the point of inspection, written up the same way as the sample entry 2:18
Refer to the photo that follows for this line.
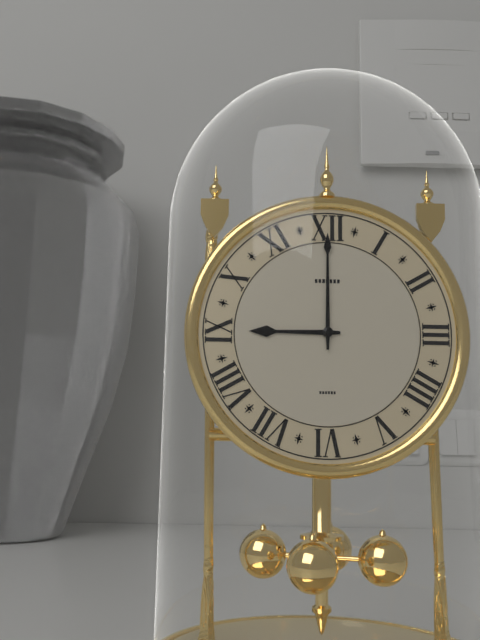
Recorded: 9:00
